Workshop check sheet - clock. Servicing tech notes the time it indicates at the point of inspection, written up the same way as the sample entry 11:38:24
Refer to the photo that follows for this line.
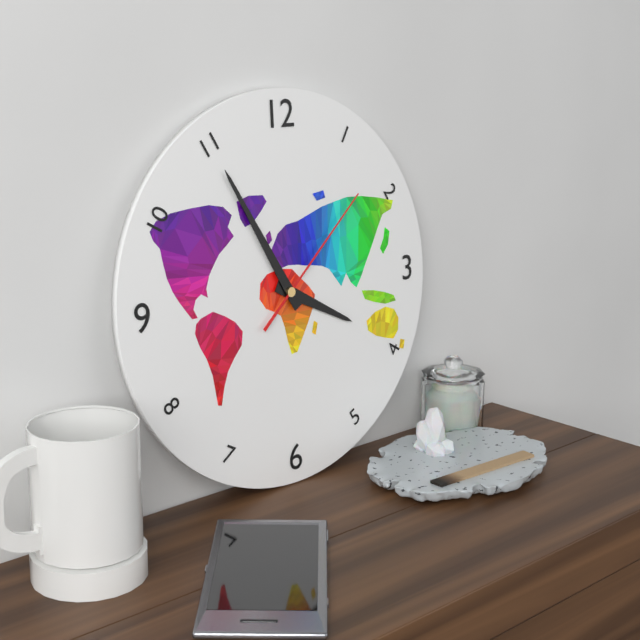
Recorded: 3:55:08
